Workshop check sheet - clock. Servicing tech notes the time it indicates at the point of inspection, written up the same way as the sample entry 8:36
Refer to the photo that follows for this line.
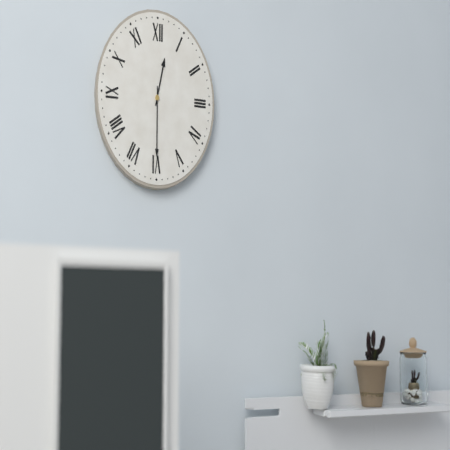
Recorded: 12:30
